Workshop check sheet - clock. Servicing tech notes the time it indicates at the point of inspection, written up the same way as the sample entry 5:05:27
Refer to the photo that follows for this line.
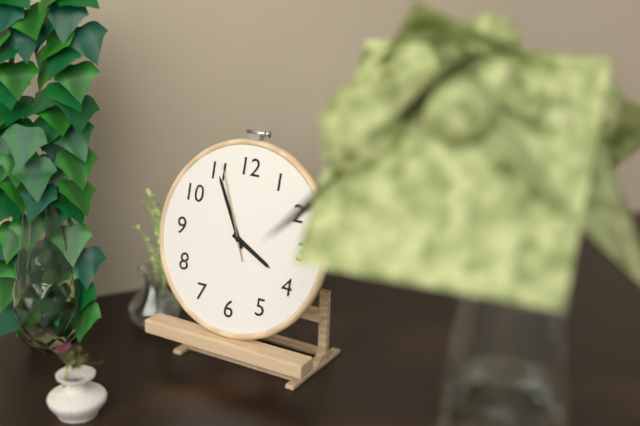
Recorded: 3:55:56
